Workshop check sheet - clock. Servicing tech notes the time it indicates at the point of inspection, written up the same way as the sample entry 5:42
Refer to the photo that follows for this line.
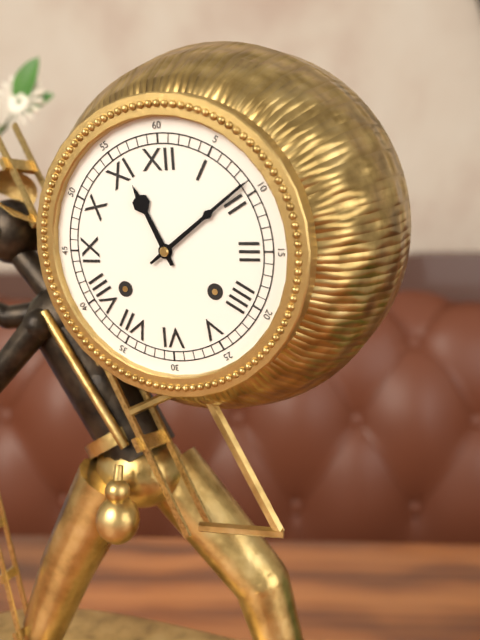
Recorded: 11:09
